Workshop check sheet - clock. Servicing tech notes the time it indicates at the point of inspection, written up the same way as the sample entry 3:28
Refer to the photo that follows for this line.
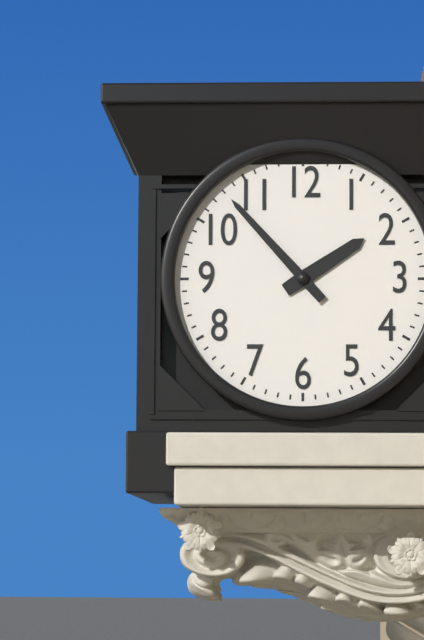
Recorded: 1:53
